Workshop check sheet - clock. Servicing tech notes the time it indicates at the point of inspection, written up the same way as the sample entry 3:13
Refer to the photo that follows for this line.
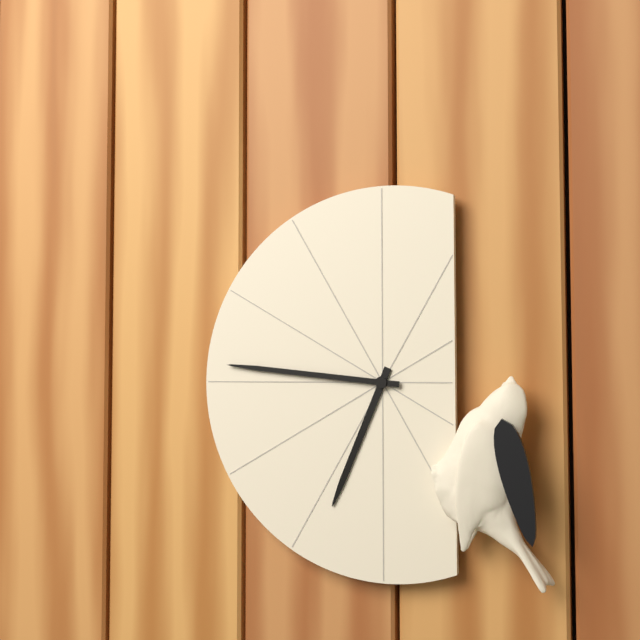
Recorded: 6:46
